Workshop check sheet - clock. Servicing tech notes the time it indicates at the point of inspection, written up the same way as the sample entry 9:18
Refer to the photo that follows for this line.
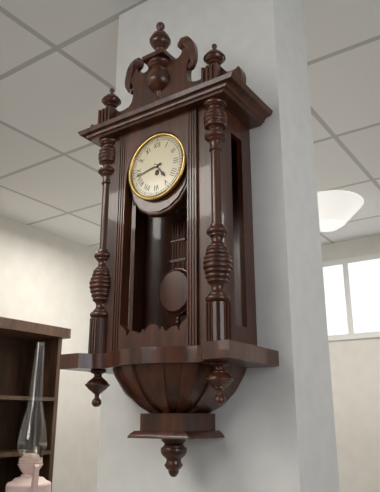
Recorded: 4:43
